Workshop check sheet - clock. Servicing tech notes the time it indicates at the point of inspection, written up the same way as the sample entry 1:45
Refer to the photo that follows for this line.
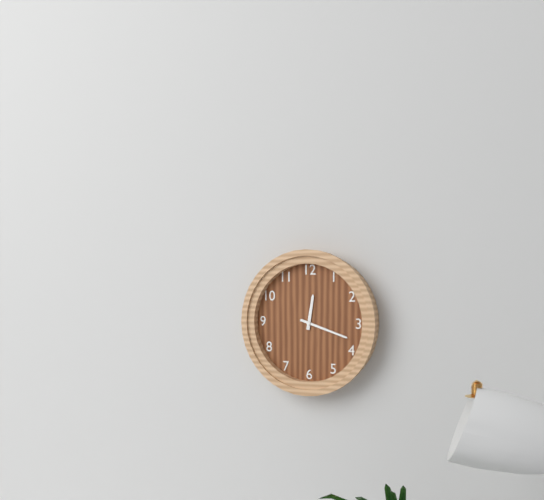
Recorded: 12:18
